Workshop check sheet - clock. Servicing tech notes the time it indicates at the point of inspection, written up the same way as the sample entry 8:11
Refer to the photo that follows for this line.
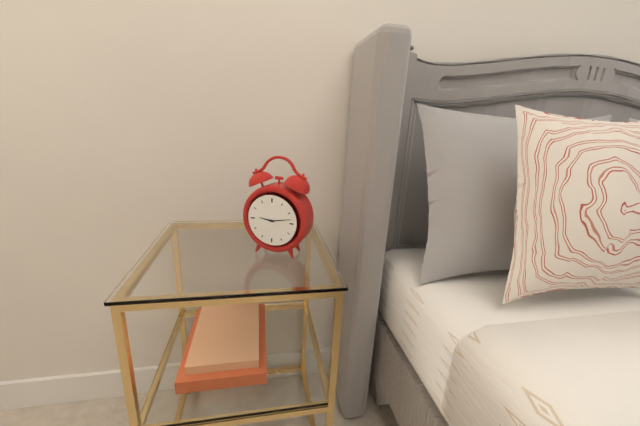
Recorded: 9:13
